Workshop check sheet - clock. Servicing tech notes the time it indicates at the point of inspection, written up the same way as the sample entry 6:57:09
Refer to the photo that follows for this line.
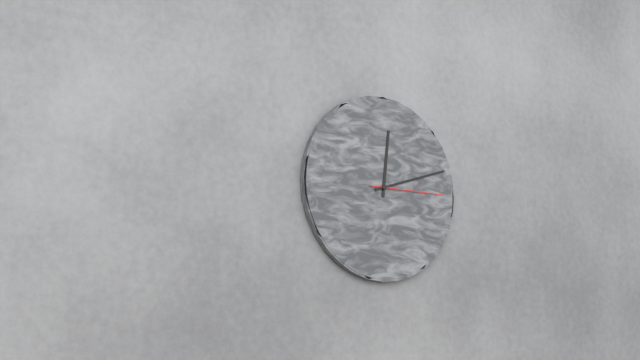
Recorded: 12:12:15
